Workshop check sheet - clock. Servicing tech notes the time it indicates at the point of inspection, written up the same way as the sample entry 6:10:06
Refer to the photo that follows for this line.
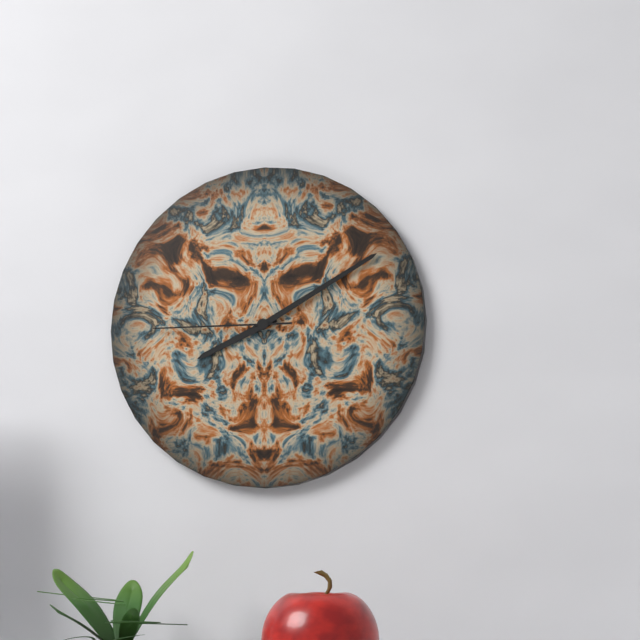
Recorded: 8:10:45
